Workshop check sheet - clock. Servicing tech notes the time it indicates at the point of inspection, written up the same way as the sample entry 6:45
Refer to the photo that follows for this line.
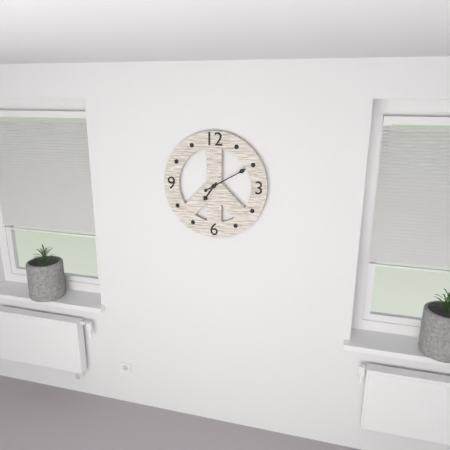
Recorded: 7:10
